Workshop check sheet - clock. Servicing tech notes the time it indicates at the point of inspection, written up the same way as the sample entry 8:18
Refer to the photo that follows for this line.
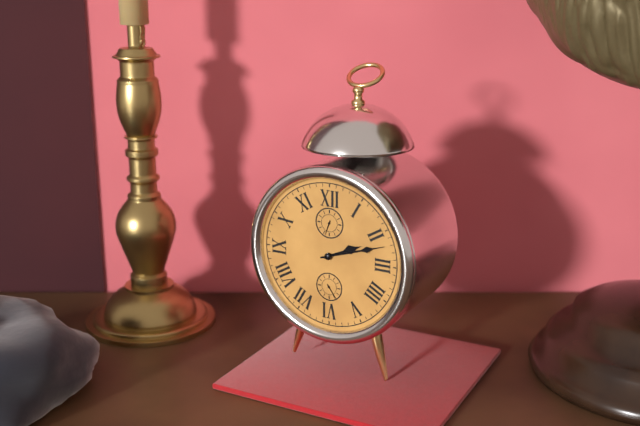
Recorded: 2:12
